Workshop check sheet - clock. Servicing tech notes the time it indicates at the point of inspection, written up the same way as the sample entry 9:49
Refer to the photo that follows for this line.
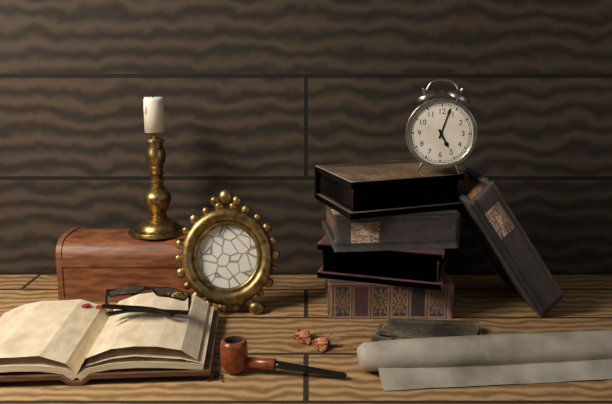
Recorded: 5:03
